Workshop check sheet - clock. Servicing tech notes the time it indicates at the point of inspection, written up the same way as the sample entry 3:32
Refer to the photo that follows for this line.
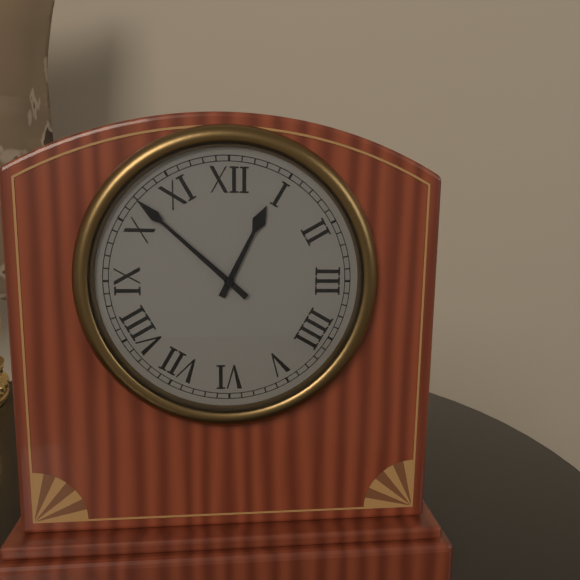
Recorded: 12:52
